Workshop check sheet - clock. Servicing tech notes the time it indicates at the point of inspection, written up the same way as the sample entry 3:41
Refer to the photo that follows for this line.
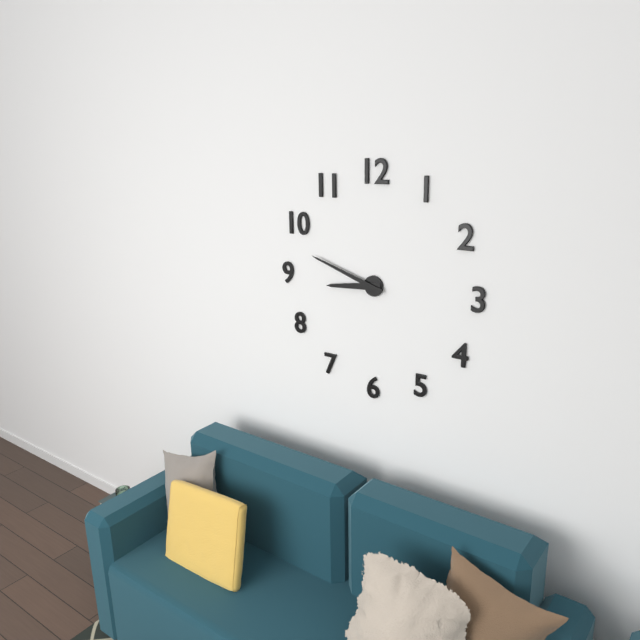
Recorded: 8:48
